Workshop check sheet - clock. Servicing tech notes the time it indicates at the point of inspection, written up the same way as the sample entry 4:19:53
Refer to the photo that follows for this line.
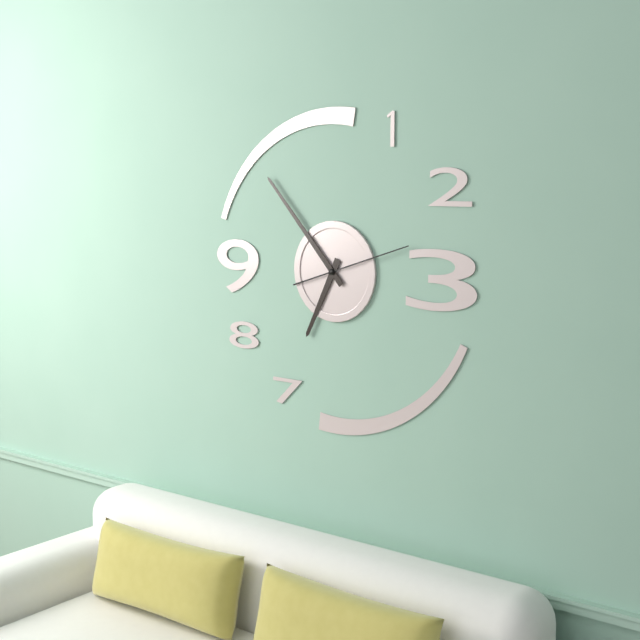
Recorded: 6:53:12
